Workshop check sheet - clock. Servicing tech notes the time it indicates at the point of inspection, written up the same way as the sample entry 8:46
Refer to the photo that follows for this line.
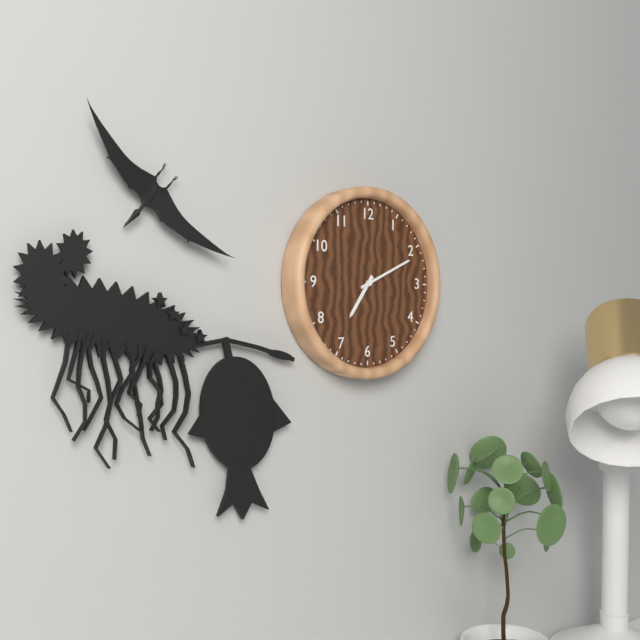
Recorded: 7:11
